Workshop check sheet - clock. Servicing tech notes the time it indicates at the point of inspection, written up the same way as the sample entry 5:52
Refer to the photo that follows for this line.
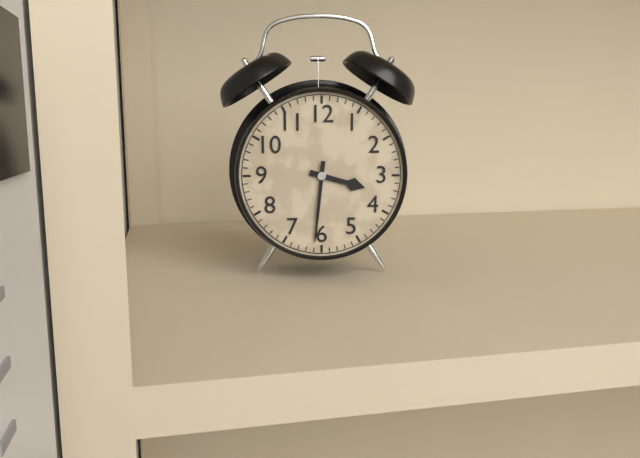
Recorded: 3:31
